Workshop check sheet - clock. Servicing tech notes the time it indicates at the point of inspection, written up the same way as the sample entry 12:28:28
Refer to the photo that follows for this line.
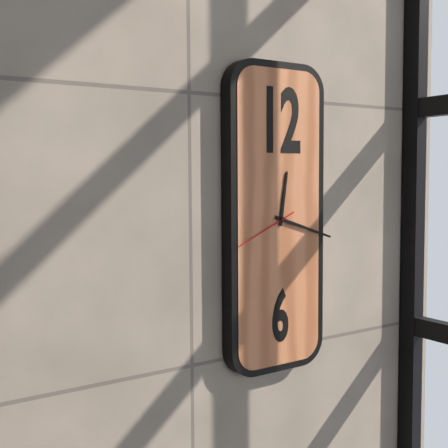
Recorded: 12:18:41
